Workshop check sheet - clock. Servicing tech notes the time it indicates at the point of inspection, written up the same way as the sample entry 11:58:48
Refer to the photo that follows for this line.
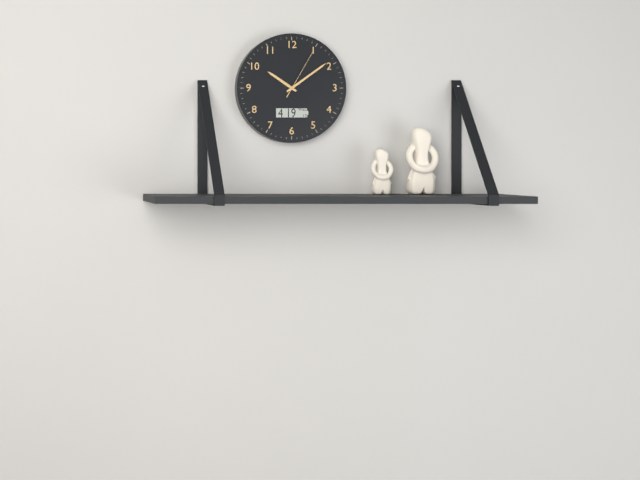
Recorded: 10:09:05
